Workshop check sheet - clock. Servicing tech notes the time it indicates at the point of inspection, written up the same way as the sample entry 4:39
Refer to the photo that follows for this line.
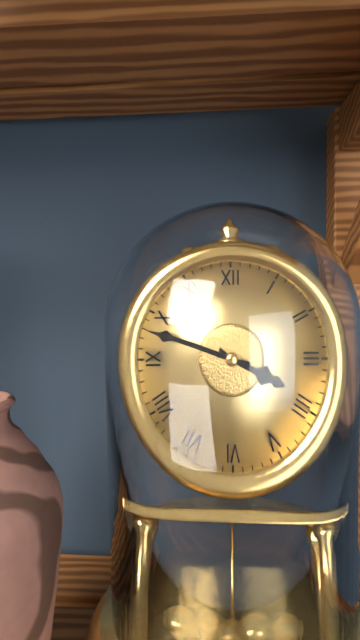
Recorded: 3:48
